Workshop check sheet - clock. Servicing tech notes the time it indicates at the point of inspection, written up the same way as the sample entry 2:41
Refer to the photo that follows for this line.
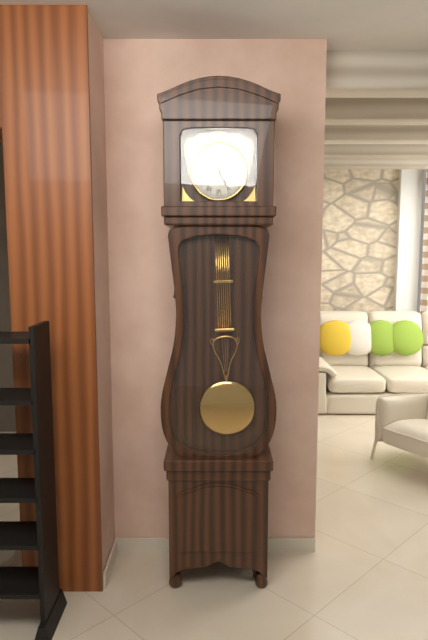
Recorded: 4:59
